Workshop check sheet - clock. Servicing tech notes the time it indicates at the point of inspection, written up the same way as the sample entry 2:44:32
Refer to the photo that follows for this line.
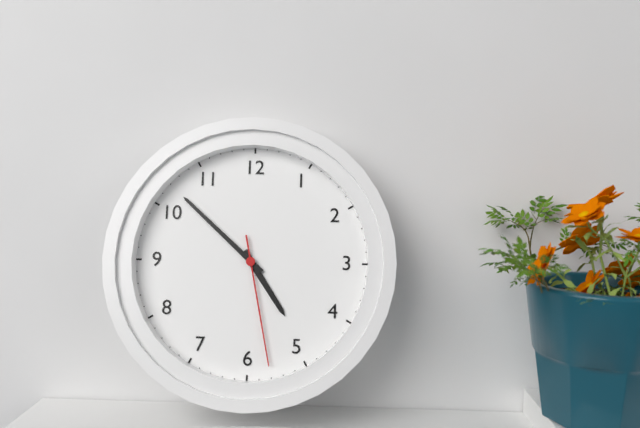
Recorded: 4:52:28
